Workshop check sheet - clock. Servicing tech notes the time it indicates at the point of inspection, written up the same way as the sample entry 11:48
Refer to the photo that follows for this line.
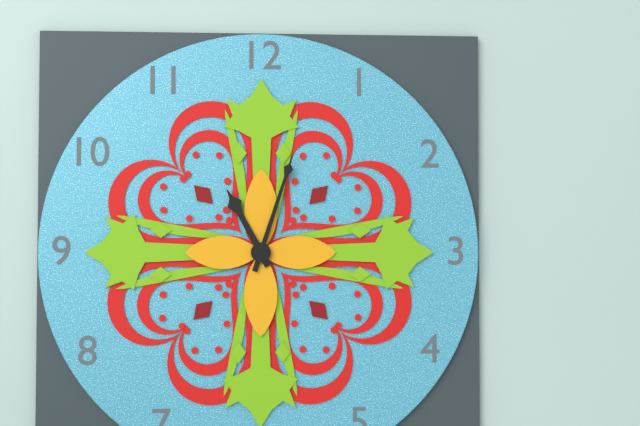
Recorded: 11:03
